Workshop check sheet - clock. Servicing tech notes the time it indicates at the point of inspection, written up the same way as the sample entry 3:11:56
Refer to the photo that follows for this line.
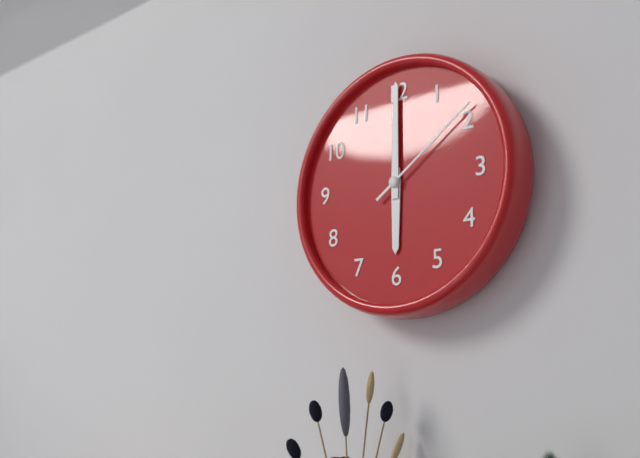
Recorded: 6:00:09
